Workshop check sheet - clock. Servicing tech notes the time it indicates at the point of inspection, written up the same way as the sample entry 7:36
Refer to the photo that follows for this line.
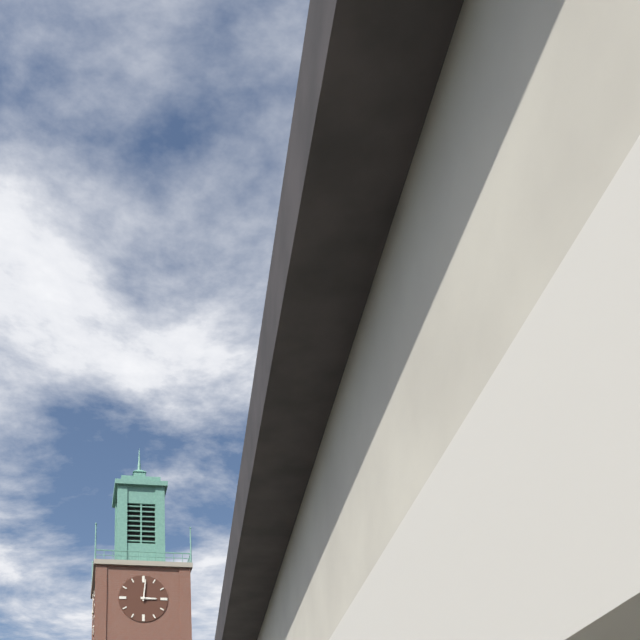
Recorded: 3:01
